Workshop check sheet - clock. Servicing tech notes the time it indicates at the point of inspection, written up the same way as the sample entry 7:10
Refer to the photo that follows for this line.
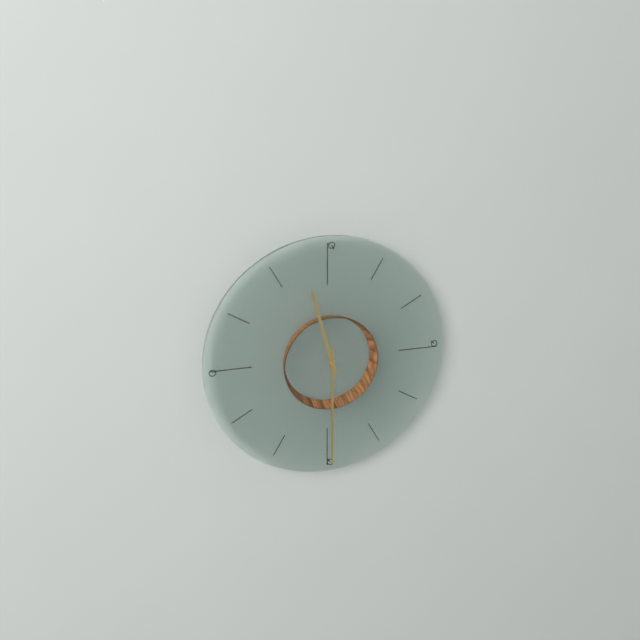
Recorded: 11:30
